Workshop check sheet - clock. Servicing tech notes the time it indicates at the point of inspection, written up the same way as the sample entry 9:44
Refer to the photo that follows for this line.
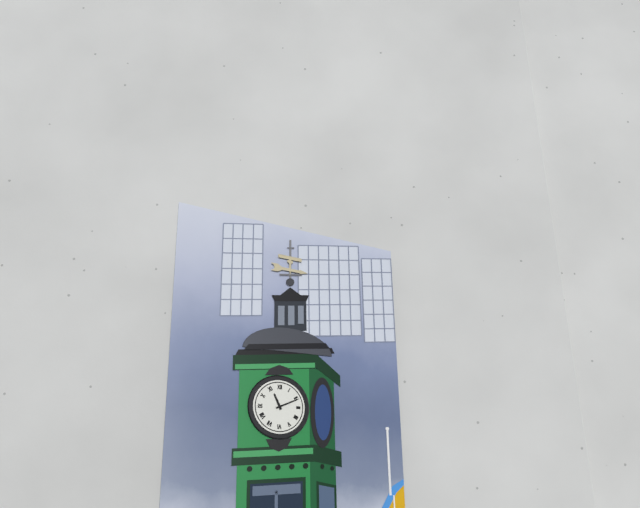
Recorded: 11:11
